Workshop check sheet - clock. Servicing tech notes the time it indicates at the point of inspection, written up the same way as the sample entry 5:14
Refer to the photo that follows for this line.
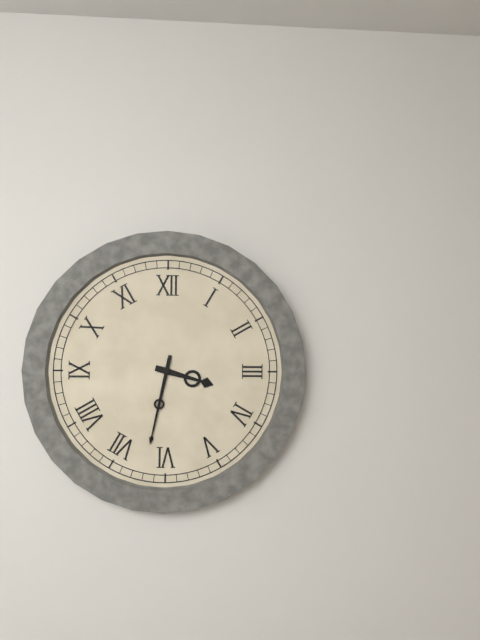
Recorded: 3:32
